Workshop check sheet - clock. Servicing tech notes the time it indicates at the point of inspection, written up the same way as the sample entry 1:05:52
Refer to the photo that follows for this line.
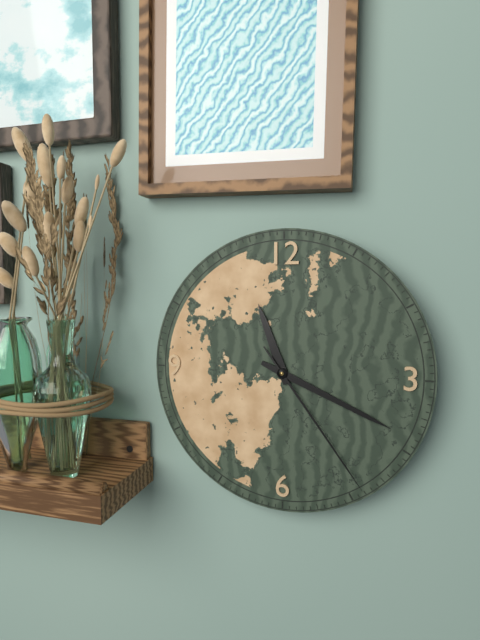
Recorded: 11:19:24
